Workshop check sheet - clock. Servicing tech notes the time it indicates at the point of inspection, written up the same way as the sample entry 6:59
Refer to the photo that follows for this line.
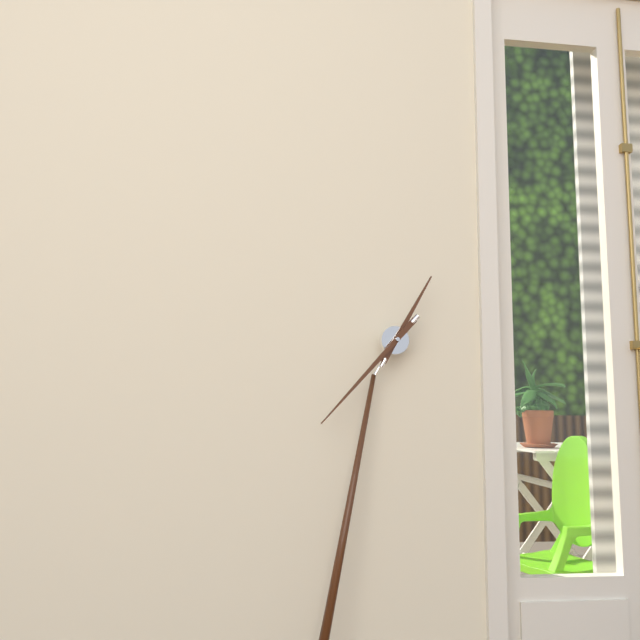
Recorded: 12:35
